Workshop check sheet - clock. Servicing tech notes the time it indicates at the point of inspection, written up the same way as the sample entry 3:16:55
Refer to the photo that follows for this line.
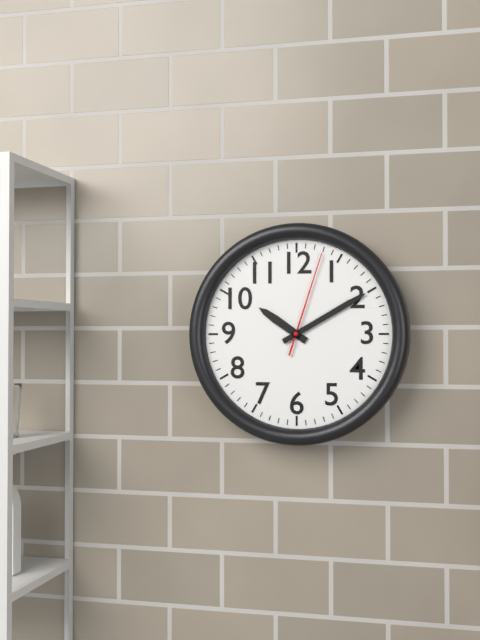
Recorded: 10:10:03
